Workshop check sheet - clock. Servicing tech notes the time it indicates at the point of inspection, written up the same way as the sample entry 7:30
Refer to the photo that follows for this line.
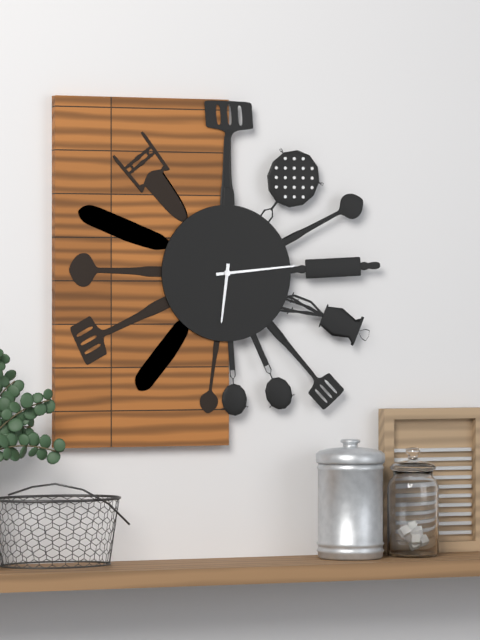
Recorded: 6:14
